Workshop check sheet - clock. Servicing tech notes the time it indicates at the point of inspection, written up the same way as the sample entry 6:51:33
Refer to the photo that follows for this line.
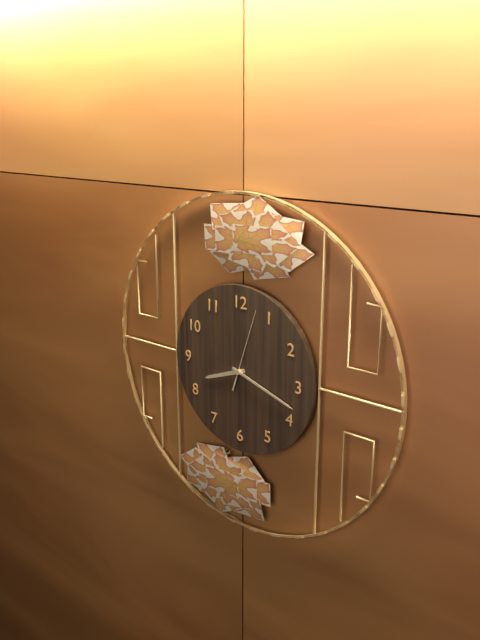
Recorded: 8:18:03
